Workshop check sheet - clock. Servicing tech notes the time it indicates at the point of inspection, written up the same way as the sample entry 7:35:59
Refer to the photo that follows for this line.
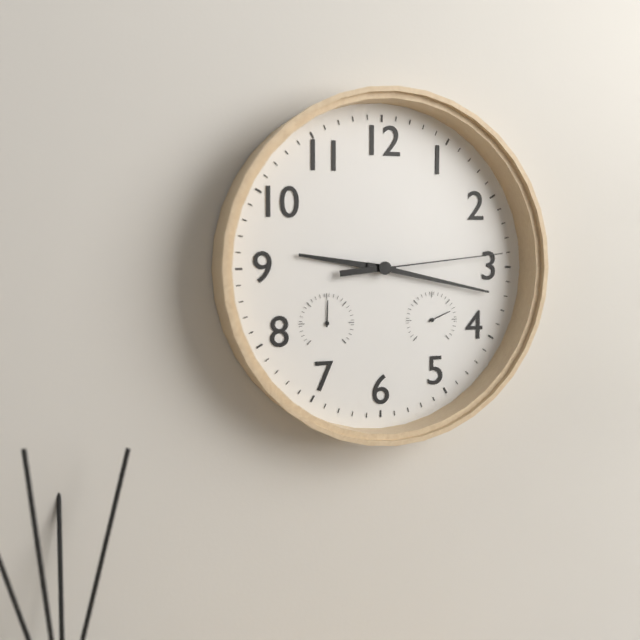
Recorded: 9:17:14
